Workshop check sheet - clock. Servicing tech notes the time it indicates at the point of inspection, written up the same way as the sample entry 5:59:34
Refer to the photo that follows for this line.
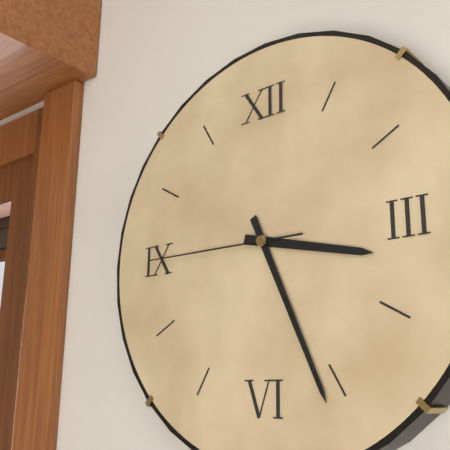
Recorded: 3:26:45
